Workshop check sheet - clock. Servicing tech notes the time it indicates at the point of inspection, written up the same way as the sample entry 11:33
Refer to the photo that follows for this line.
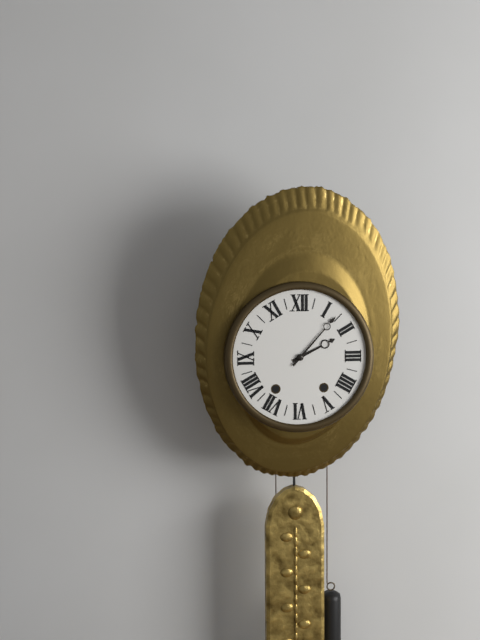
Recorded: 2:07
